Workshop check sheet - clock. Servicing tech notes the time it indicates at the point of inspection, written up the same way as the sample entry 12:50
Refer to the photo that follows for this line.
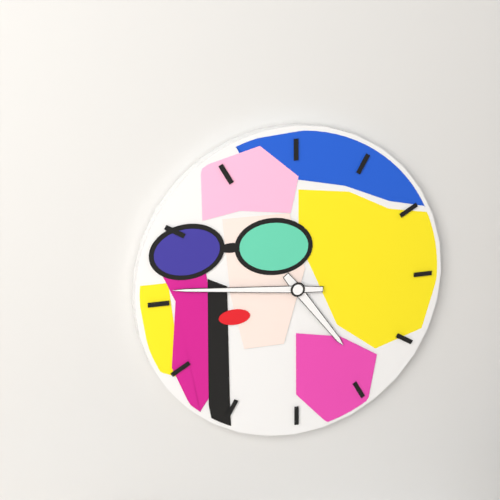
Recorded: 4:46
